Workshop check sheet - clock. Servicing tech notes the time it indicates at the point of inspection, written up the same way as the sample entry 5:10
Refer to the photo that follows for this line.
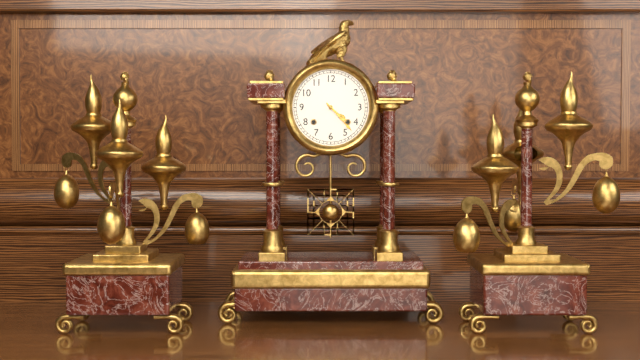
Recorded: 4:23
